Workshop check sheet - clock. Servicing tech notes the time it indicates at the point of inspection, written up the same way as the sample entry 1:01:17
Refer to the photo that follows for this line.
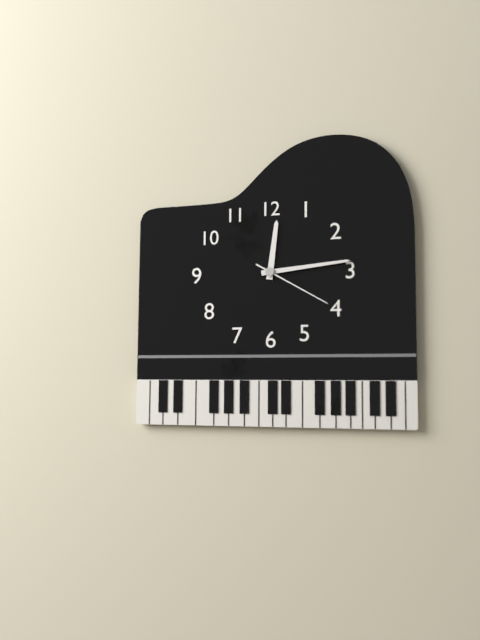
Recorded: 12:14:20
